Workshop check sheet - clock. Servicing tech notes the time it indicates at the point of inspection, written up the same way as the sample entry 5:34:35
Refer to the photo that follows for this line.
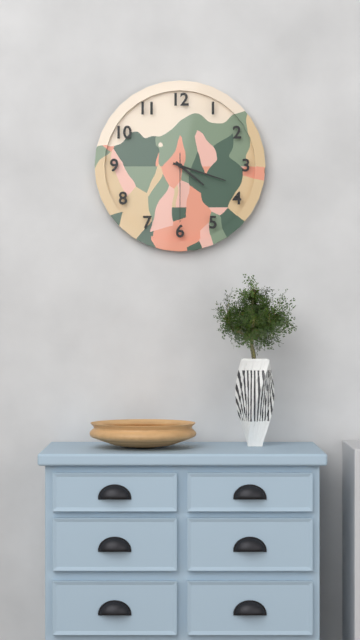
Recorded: 4:18:30
